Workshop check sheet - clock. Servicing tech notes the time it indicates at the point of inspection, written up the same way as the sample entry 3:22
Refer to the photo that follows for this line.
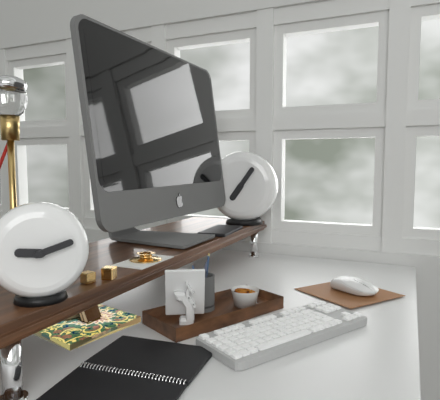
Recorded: 9:12
